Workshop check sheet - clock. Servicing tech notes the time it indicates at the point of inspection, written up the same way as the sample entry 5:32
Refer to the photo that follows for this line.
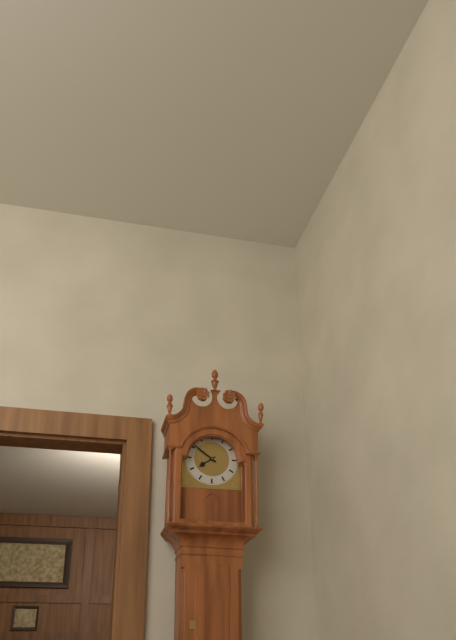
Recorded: 7:51
